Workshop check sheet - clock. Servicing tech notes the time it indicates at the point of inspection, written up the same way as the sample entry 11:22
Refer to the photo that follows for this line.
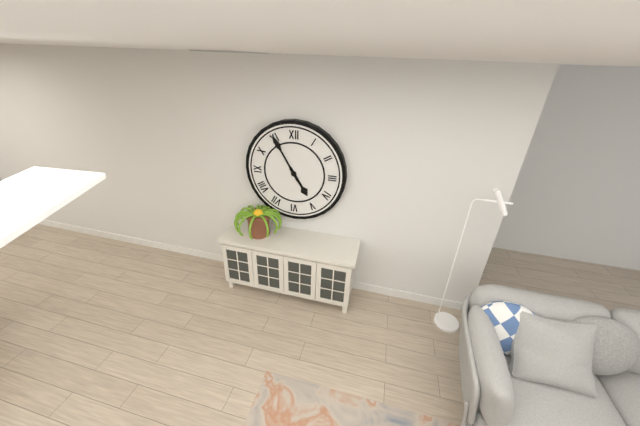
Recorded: 4:55
